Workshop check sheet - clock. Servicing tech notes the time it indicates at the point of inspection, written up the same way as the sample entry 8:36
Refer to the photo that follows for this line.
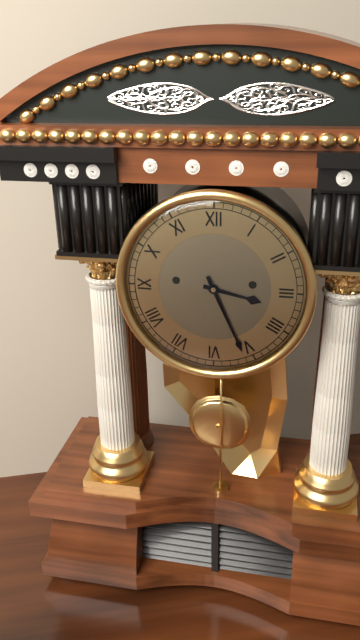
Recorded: 3:26
